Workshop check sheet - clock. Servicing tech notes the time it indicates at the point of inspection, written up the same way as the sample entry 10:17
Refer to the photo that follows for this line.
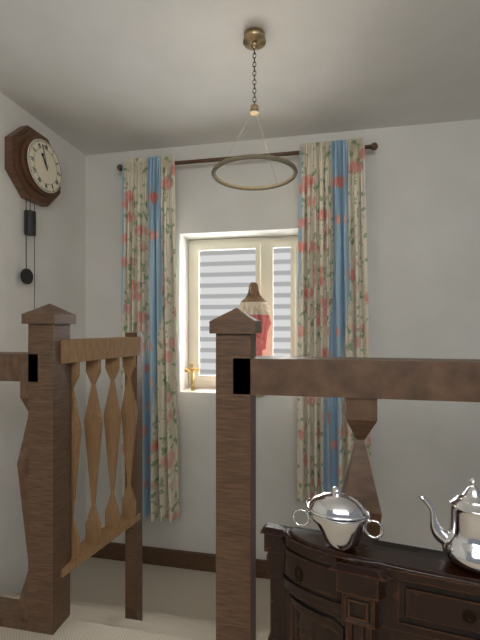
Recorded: 10:57
